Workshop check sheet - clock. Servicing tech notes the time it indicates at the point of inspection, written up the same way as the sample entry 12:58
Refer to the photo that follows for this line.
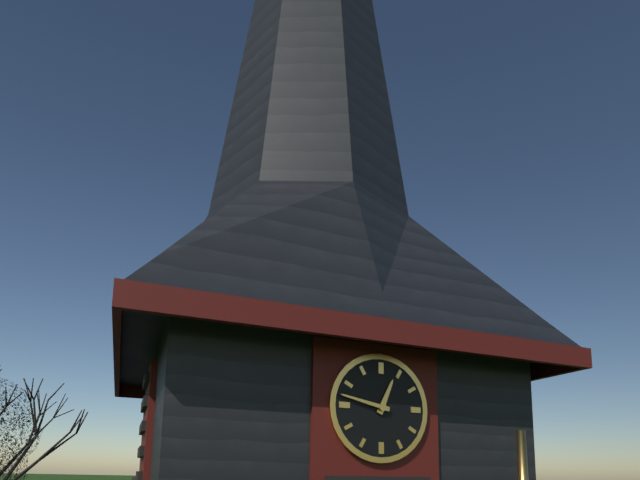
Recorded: 12:47
